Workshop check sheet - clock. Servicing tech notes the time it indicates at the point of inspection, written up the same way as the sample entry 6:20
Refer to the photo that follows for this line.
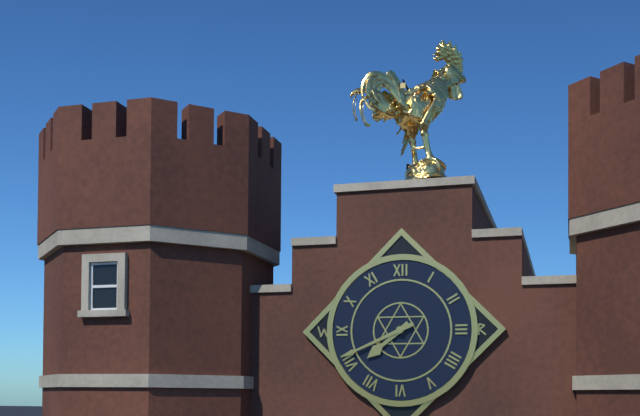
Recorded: 7:41
